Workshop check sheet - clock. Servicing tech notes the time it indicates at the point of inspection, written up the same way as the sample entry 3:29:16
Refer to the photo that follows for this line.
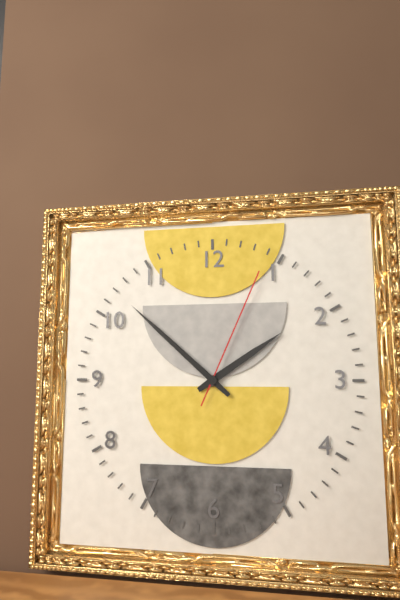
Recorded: 1:52:04
